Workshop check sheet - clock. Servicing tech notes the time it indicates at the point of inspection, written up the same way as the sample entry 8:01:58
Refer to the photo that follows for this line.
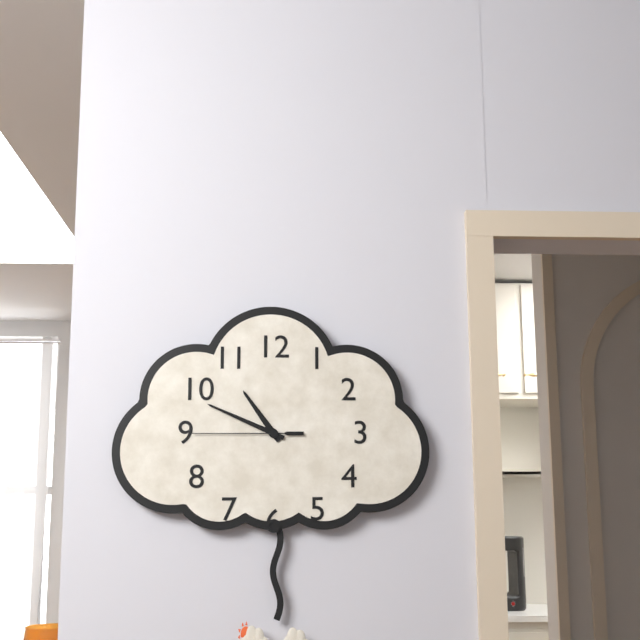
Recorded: 10:49:45
